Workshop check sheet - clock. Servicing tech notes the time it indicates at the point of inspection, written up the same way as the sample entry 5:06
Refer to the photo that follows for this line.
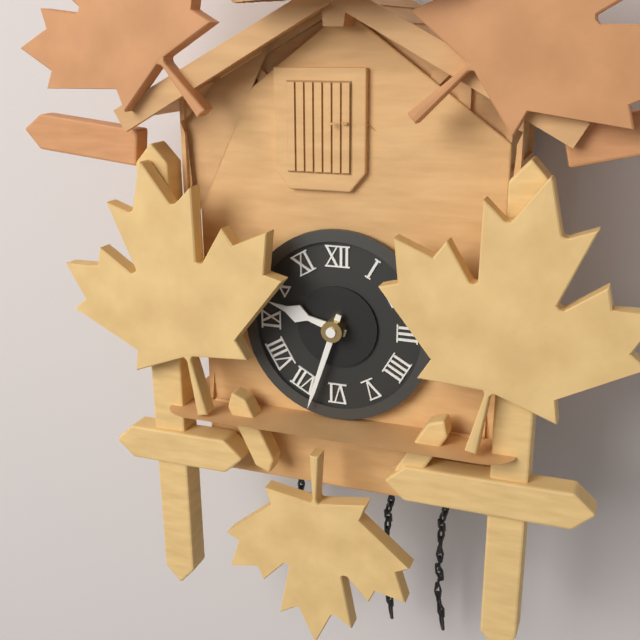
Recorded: 9:33
